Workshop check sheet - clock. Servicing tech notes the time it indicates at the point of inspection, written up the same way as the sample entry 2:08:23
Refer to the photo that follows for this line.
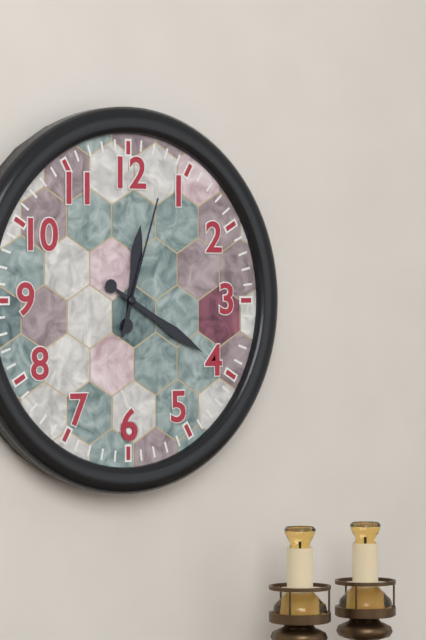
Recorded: 12:20:03
